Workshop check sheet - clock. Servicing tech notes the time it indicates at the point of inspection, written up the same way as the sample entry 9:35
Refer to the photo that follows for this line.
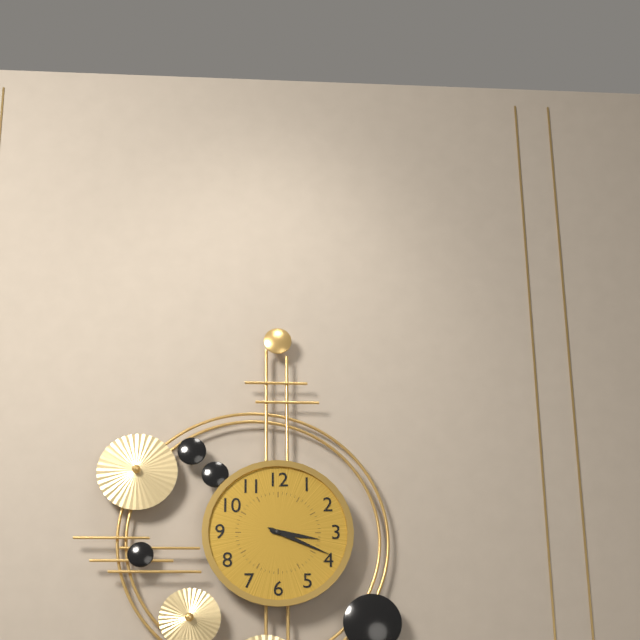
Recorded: 3:19
